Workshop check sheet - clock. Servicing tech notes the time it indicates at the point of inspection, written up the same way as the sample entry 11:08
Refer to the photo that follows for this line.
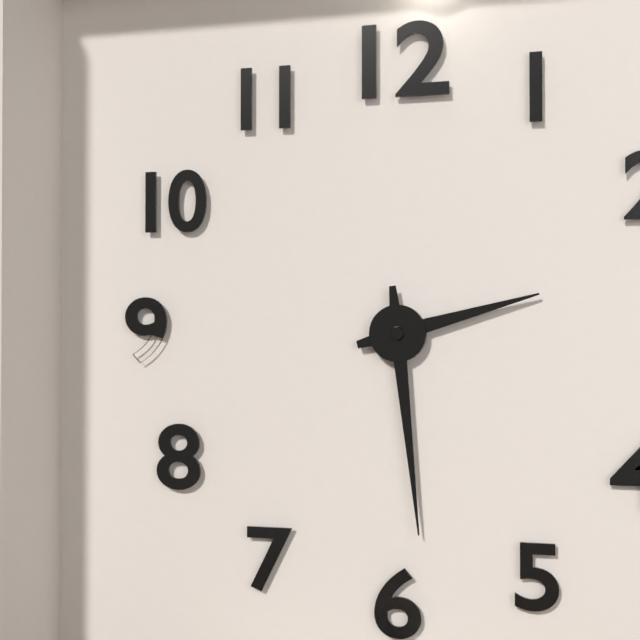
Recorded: 2:29
